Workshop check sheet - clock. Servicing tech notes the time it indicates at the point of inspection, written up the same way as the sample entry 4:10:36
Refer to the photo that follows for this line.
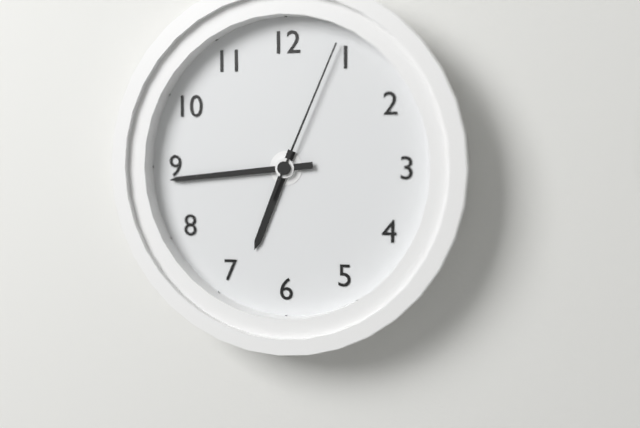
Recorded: 6:44:04
